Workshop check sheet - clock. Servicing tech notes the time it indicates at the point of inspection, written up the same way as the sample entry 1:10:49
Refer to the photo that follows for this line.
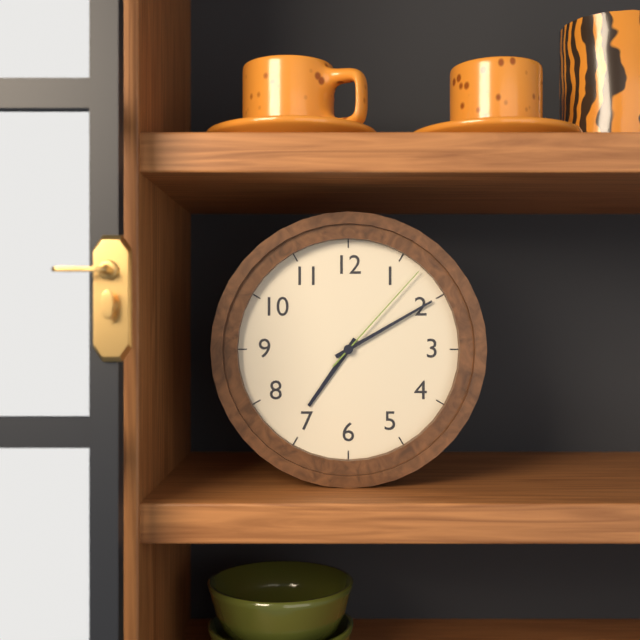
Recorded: 7:10:07
